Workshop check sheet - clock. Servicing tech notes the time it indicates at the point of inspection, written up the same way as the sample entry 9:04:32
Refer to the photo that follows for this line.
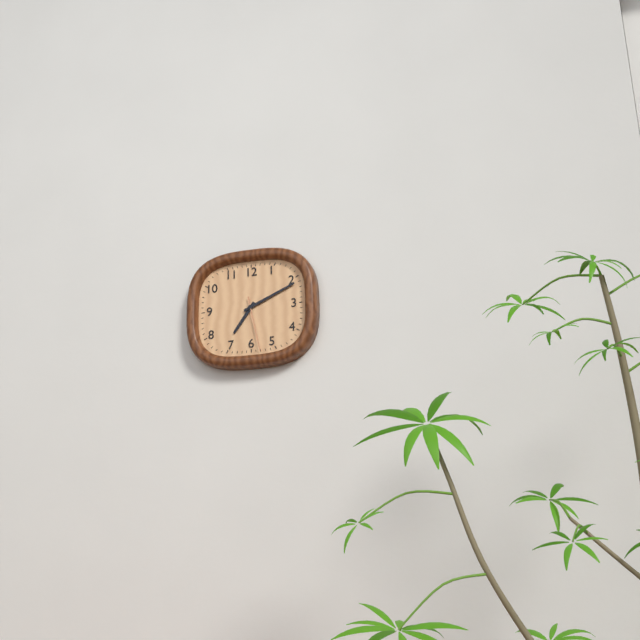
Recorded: 7:11:28
